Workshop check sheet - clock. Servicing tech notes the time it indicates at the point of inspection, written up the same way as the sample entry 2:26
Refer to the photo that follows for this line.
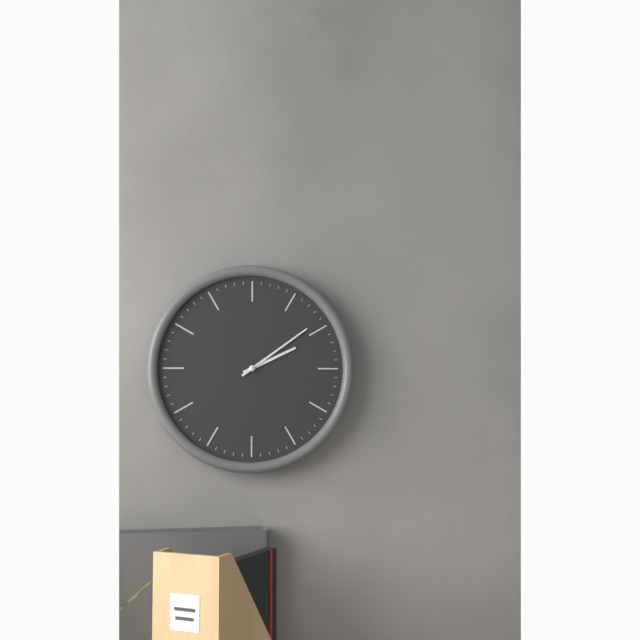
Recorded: 2:09
